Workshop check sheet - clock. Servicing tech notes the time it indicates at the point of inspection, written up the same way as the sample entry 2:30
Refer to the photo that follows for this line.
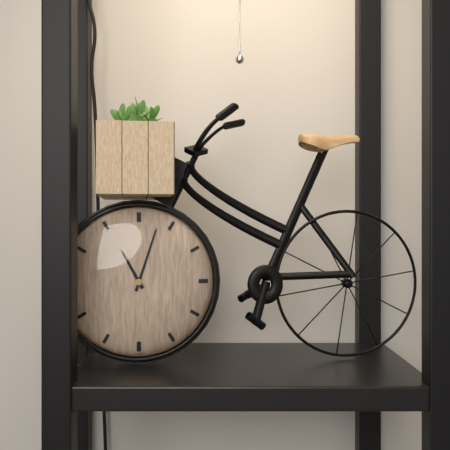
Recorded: 11:03
